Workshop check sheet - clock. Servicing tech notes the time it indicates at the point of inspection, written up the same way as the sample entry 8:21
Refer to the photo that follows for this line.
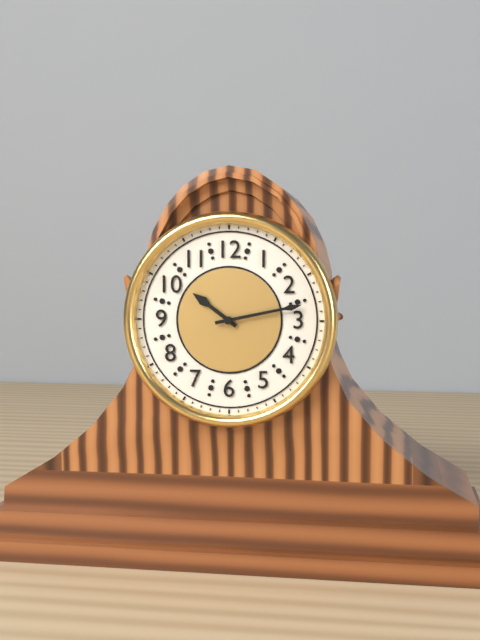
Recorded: 10:13
